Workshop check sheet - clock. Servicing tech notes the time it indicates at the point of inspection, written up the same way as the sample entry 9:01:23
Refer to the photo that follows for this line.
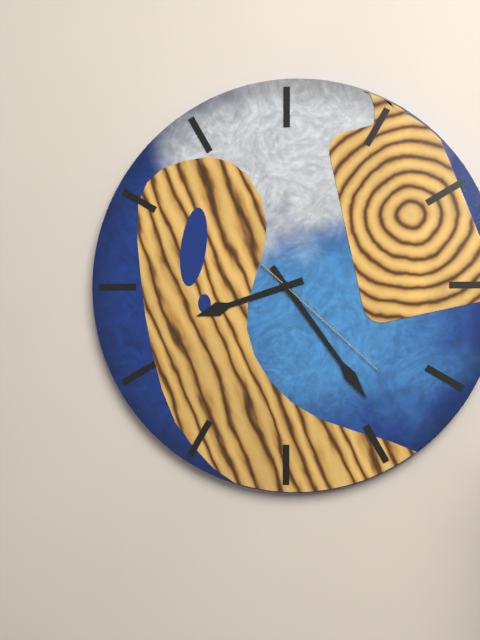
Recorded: 8:24:22
